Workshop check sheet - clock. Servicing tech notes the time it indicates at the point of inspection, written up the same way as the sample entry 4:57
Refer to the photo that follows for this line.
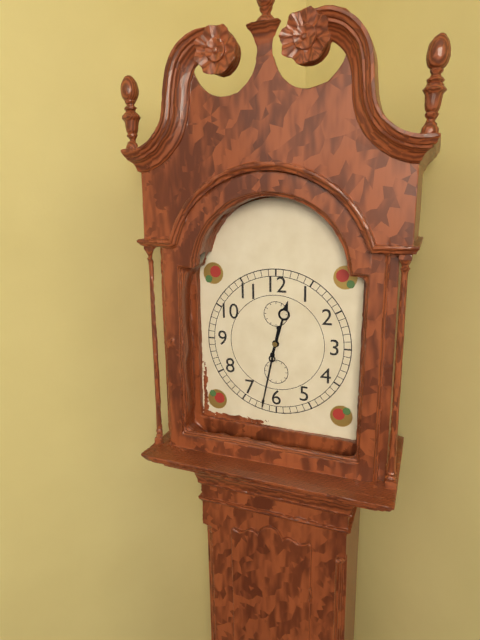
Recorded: 12:32
